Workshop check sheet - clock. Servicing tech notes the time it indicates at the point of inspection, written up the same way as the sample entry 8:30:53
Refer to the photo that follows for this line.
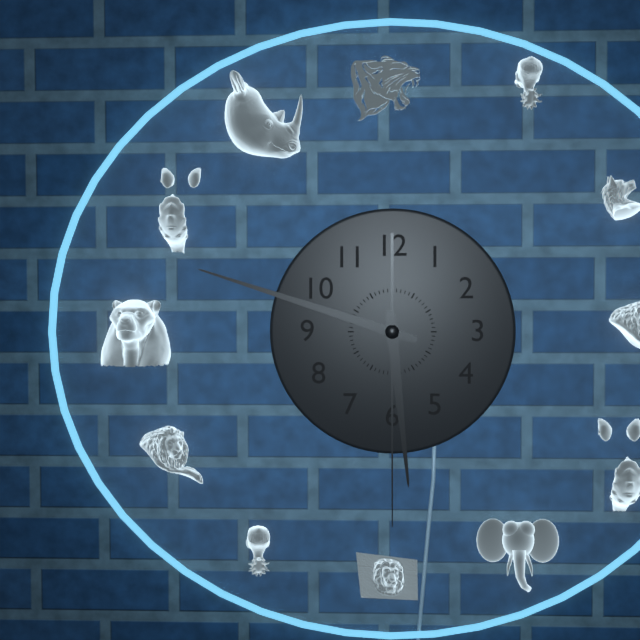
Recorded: 5:48:30
